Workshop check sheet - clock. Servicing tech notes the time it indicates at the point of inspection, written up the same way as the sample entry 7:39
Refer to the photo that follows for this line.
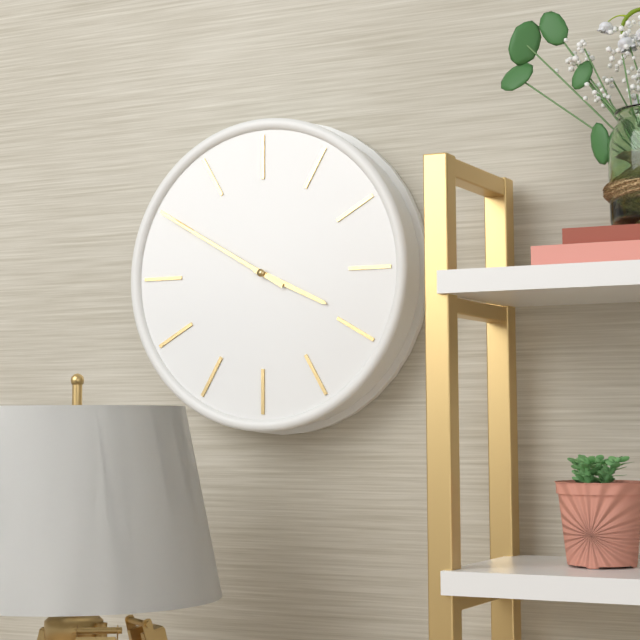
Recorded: 3:50
